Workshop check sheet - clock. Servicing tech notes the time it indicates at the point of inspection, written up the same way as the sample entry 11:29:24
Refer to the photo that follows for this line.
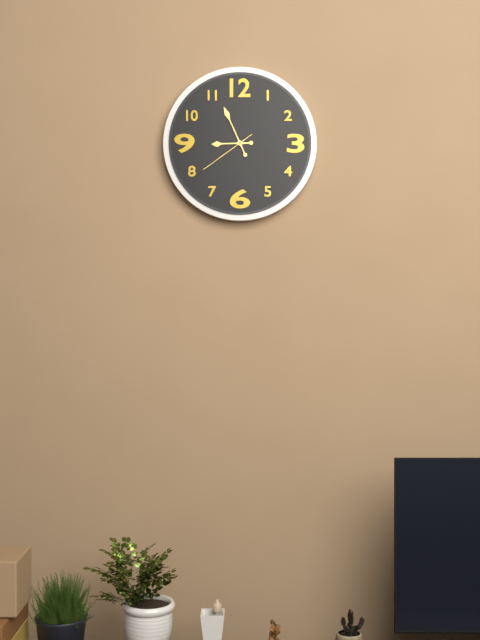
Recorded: 8:56:39
